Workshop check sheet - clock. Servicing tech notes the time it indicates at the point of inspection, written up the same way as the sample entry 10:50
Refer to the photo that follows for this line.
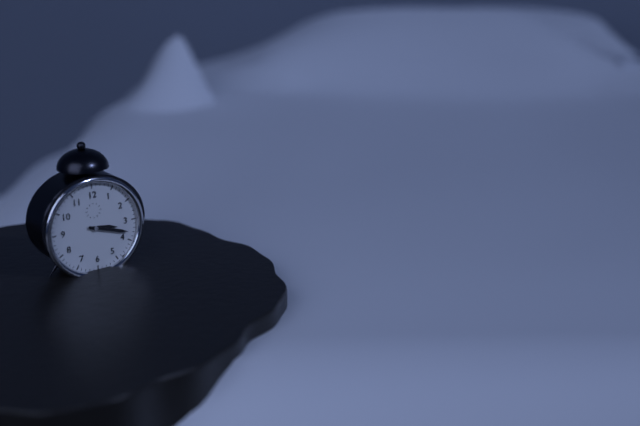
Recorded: 3:18
